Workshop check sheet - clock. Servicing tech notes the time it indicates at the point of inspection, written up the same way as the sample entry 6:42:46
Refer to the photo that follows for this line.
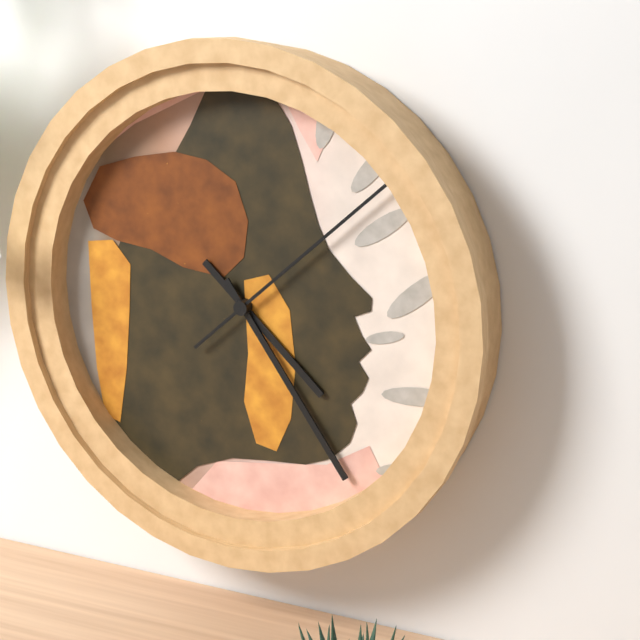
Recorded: 4:24:08
